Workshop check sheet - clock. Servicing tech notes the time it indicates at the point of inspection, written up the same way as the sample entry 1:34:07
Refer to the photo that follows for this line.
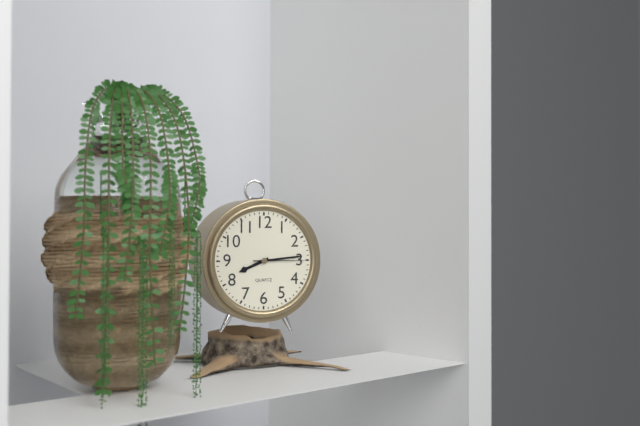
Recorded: 8:14:15
